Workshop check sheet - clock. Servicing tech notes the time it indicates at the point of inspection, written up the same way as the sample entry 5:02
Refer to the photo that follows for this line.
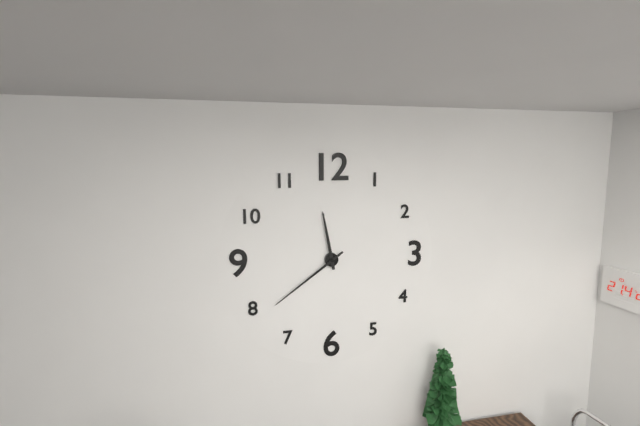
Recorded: 11:39
